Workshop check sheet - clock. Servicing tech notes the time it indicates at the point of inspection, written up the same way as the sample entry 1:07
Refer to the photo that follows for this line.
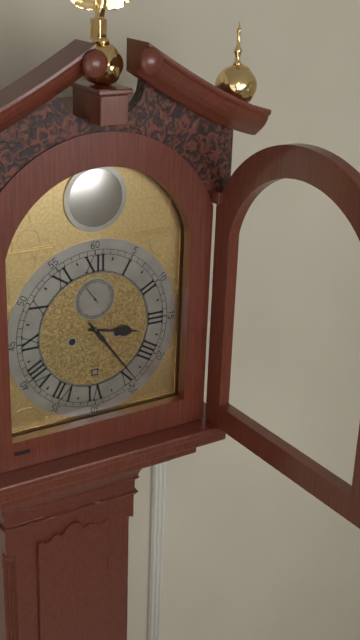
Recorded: 3:24
